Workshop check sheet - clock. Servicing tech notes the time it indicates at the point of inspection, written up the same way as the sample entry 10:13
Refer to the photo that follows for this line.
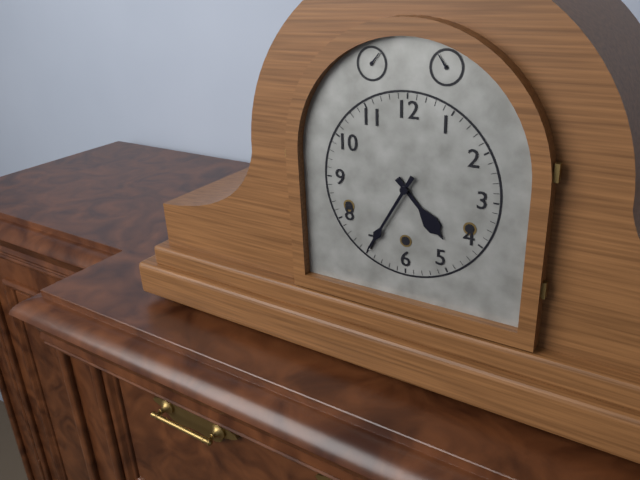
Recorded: 4:35
